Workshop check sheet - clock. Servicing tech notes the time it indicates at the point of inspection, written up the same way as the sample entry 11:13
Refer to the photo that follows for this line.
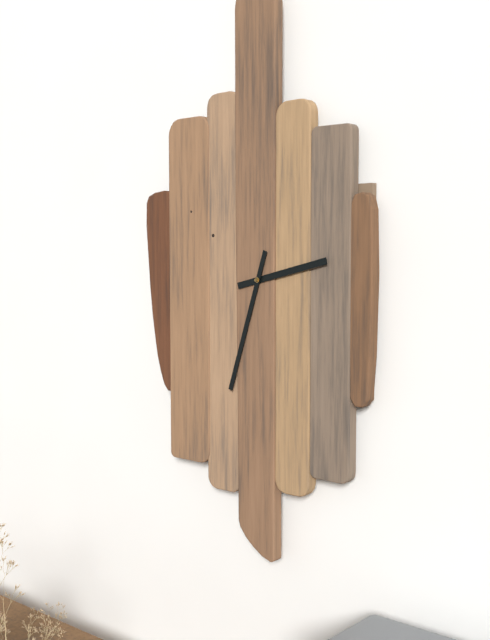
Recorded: 2:33
